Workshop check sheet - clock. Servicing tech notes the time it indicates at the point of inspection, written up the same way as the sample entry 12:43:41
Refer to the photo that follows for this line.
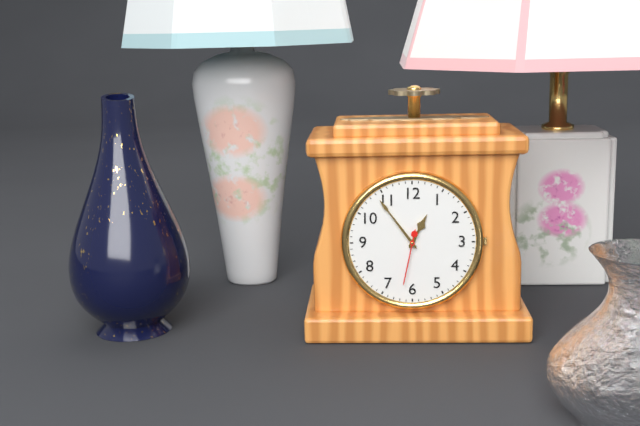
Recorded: 12:54:32
